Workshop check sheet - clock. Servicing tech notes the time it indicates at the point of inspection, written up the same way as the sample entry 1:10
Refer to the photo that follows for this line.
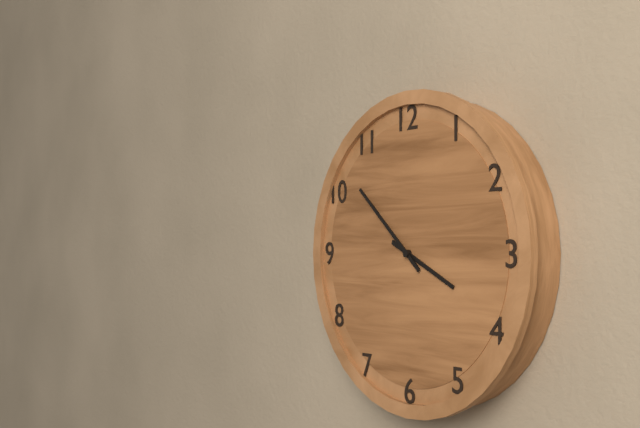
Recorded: 3:52
